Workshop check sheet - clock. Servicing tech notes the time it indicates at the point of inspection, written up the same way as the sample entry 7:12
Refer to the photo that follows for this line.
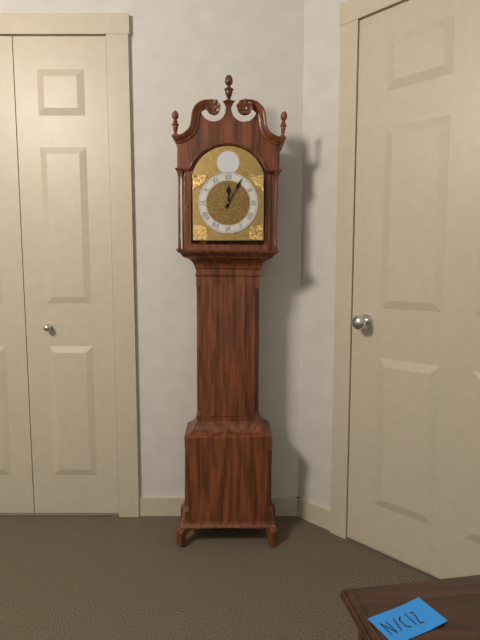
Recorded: 12:05
